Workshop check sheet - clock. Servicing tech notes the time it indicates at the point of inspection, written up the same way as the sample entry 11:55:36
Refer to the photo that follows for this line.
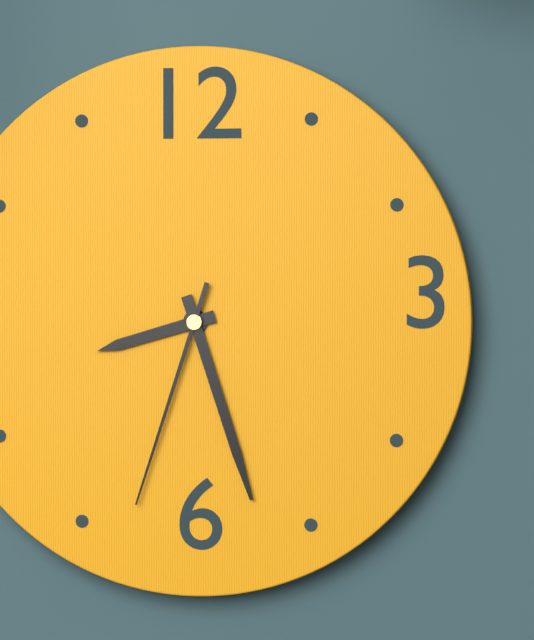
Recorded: 8:27:33
